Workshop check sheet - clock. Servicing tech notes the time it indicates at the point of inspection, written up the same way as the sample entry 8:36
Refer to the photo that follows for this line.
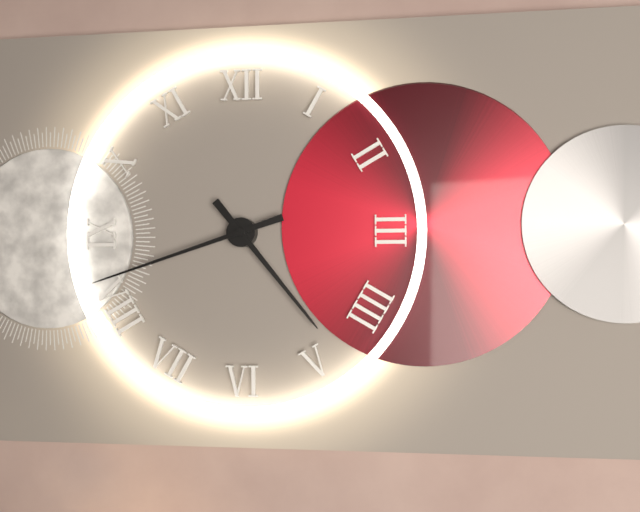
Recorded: 4:42
